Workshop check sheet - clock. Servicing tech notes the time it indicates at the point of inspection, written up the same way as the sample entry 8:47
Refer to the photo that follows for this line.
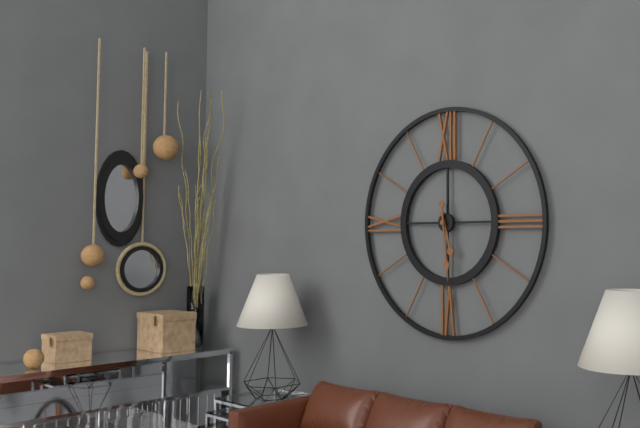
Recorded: 5:29
